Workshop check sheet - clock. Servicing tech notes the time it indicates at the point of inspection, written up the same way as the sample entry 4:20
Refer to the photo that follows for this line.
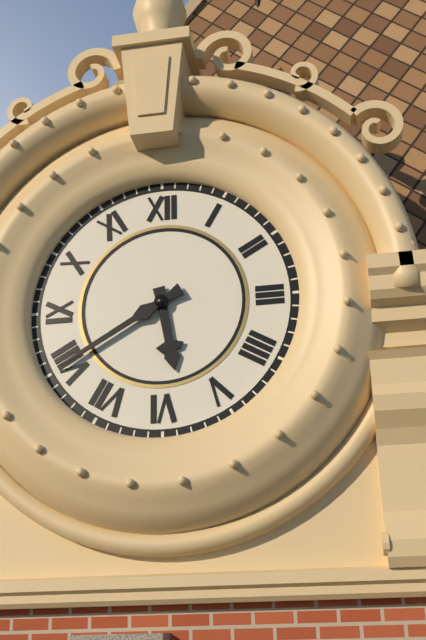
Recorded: 5:40
